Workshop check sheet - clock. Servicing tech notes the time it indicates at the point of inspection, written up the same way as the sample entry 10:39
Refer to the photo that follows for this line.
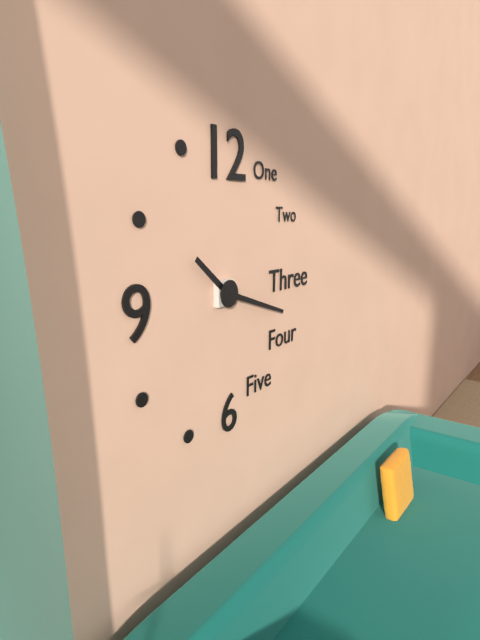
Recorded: 10:18
